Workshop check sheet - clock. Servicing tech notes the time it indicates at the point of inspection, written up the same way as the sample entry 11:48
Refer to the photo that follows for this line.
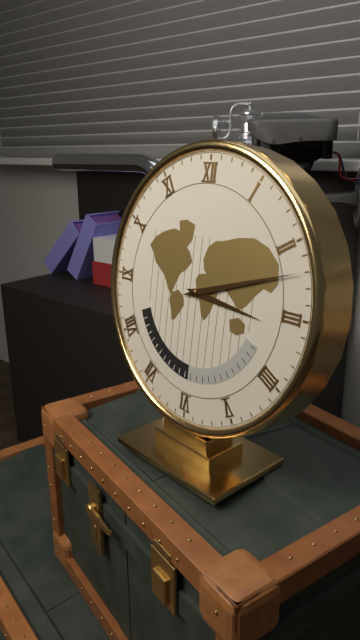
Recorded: 3:12
